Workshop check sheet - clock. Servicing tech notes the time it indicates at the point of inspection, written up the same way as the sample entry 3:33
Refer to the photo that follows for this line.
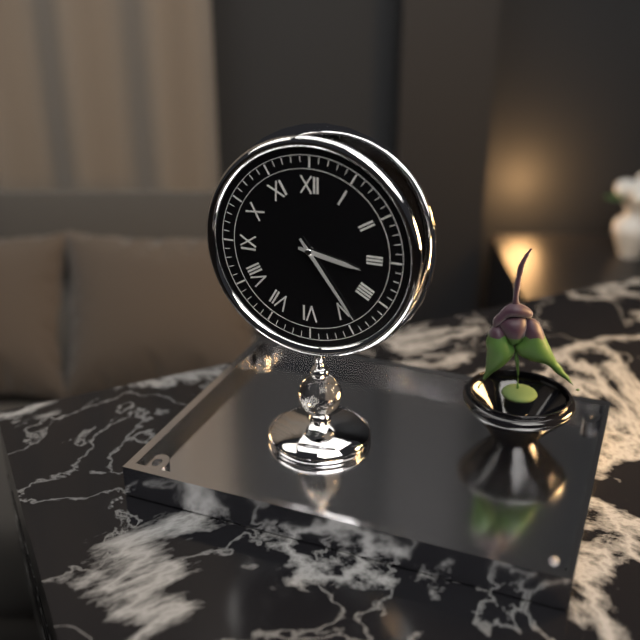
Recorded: 3:24
